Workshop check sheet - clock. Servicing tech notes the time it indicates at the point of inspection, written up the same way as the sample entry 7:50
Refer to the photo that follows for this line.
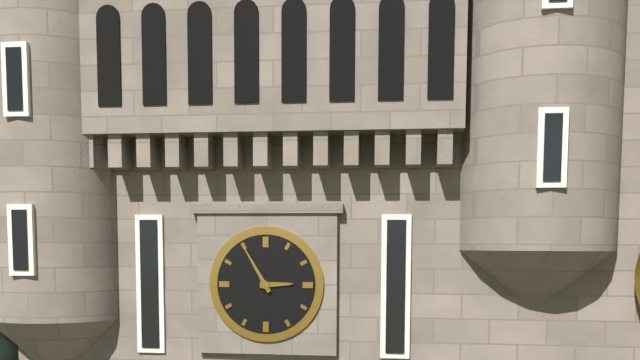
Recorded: 2:55
